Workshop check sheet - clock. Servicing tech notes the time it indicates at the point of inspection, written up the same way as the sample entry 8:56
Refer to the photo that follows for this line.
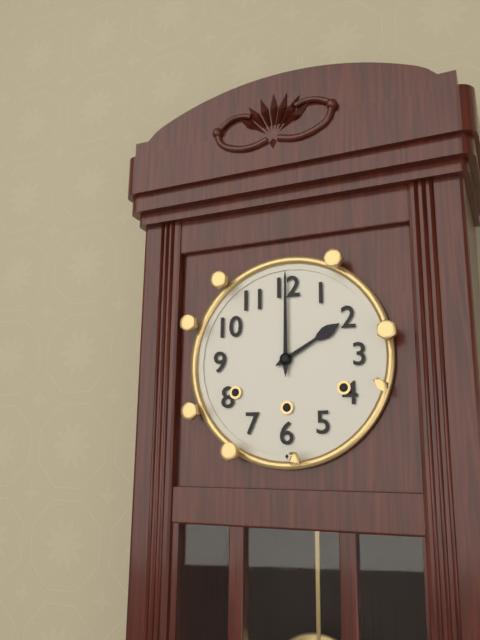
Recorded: 2:00
